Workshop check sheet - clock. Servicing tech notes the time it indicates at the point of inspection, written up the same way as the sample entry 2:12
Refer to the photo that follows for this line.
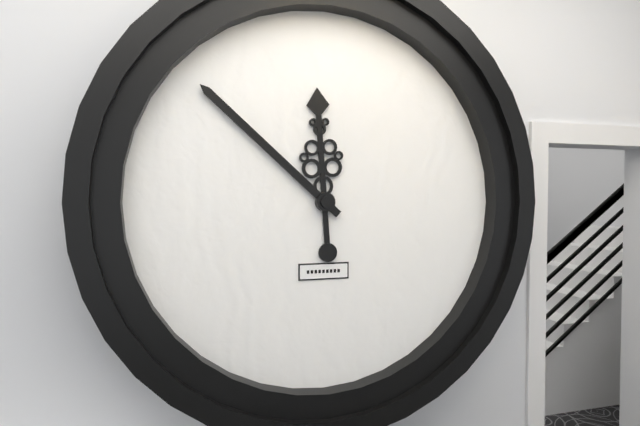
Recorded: 11:52
